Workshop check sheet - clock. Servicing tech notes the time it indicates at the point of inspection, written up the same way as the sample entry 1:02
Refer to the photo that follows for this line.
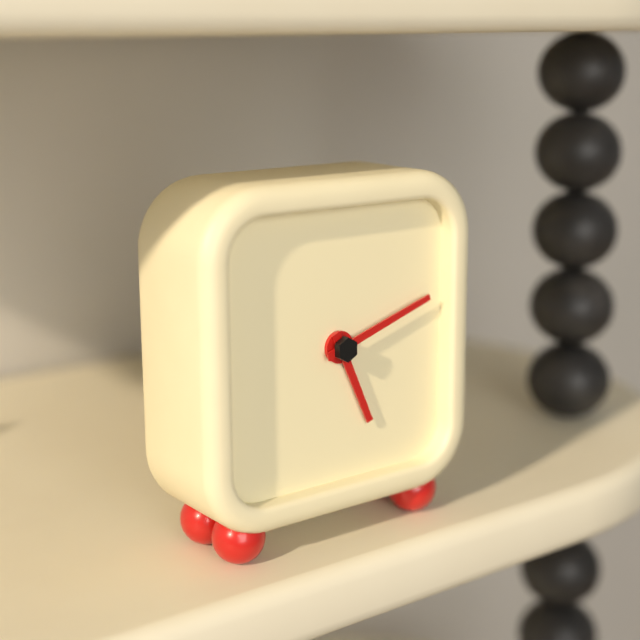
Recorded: 5:12
